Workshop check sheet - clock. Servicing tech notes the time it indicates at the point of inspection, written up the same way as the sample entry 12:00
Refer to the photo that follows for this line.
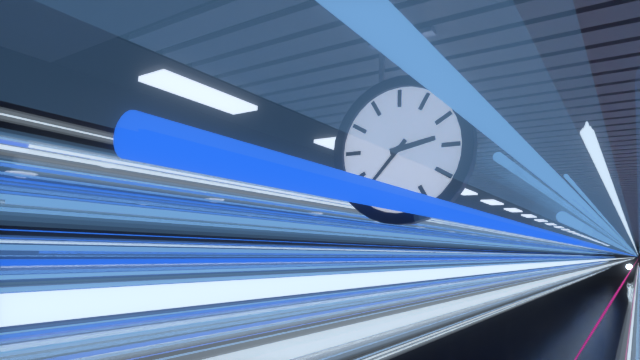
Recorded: 2:37
